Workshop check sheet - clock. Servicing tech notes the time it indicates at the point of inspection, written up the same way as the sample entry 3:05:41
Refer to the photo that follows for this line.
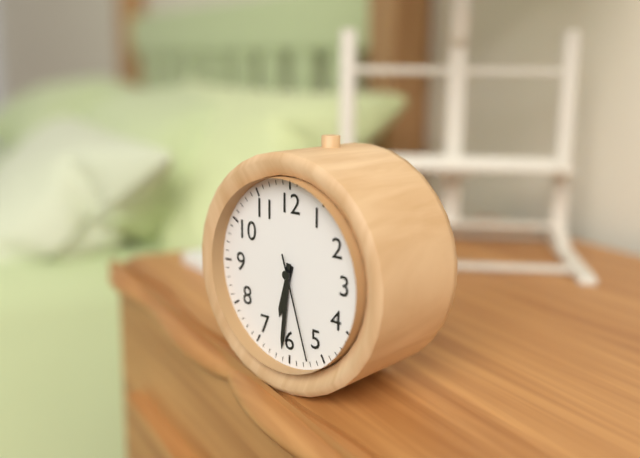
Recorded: 6:31:27
